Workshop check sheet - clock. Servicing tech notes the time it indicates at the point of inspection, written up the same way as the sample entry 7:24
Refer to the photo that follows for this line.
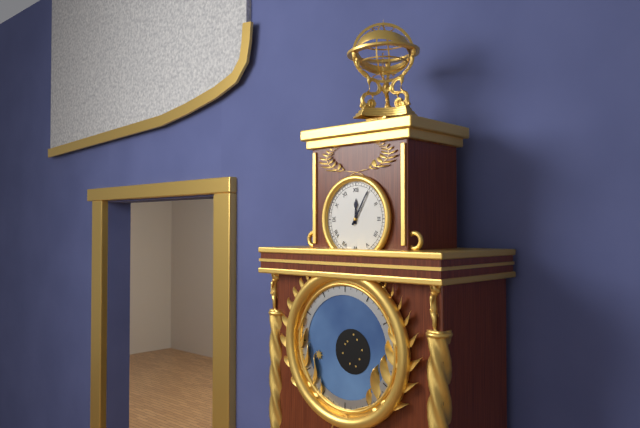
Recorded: 12:05
